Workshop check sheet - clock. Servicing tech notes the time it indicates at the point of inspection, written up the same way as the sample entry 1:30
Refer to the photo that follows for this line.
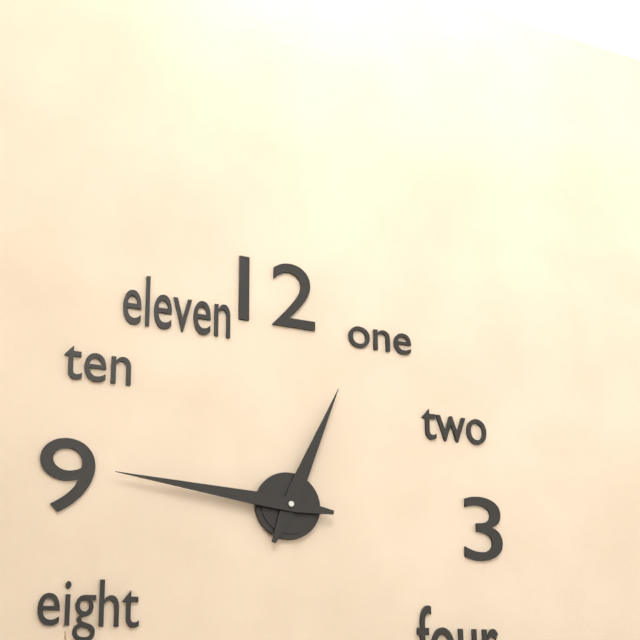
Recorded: 12:46
